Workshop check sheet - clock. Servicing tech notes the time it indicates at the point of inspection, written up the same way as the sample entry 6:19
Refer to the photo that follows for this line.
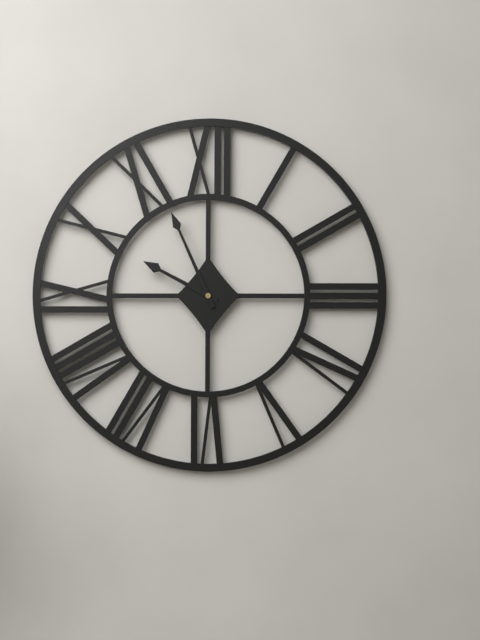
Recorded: 9:56
